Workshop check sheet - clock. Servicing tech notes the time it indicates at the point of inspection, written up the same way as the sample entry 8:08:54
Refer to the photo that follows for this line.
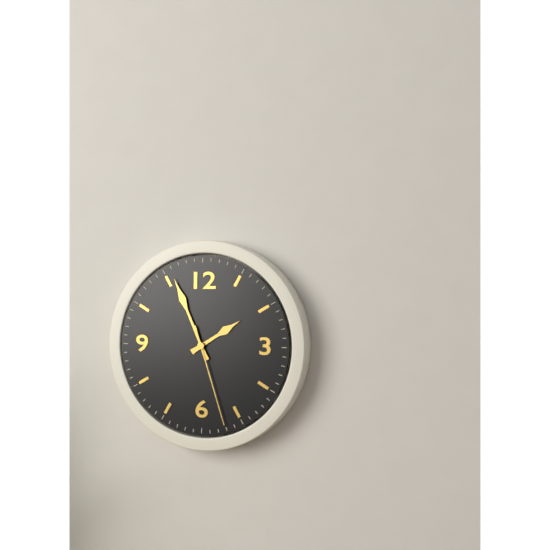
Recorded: 1:56:27
